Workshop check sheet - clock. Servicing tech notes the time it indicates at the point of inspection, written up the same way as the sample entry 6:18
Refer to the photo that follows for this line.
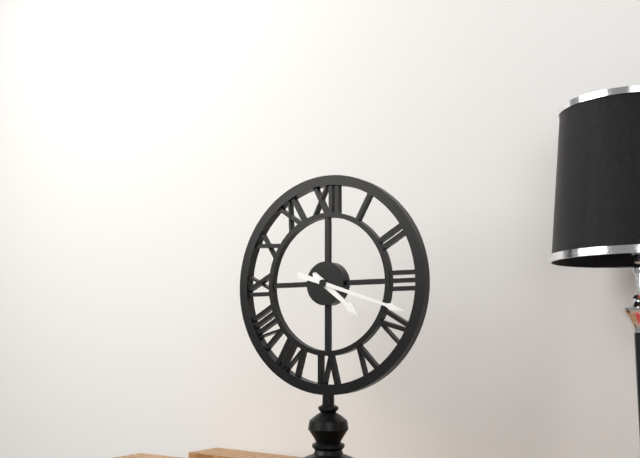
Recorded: 4:18
